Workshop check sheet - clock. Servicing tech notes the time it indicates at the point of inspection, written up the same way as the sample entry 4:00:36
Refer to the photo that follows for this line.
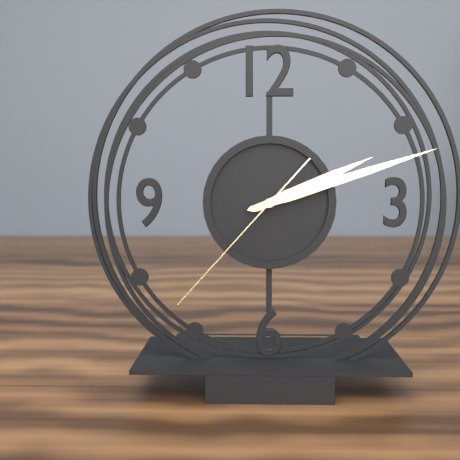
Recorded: 2:12:37
